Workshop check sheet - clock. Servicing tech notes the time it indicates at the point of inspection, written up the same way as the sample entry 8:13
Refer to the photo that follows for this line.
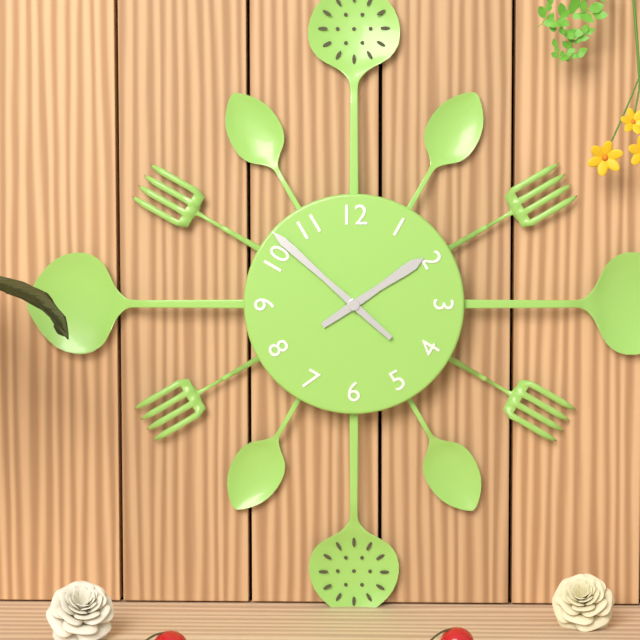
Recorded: 1:52
